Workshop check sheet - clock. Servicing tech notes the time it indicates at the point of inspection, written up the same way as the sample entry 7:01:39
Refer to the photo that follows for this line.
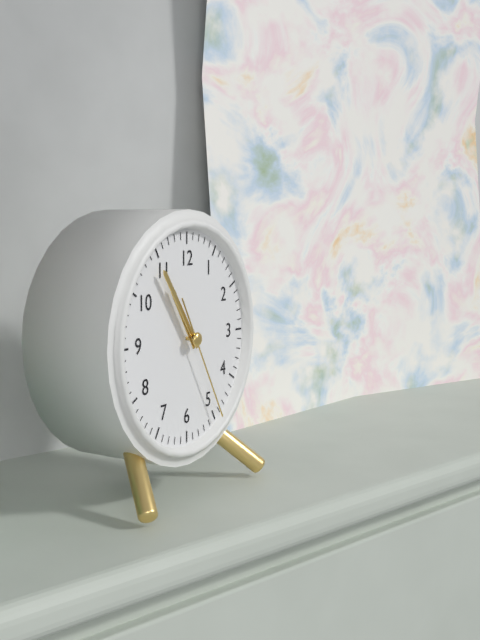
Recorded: 10:54:25
